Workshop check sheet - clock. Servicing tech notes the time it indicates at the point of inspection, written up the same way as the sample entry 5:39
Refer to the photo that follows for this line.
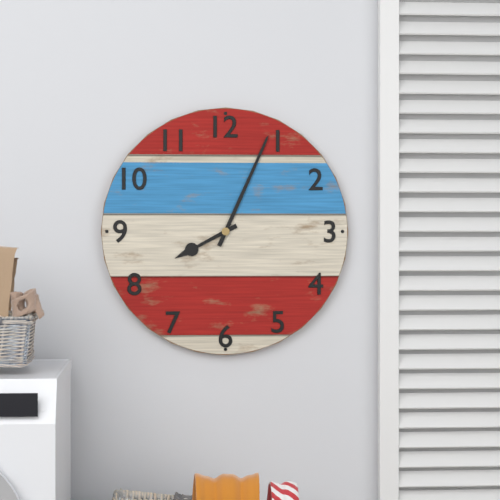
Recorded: 8:04
